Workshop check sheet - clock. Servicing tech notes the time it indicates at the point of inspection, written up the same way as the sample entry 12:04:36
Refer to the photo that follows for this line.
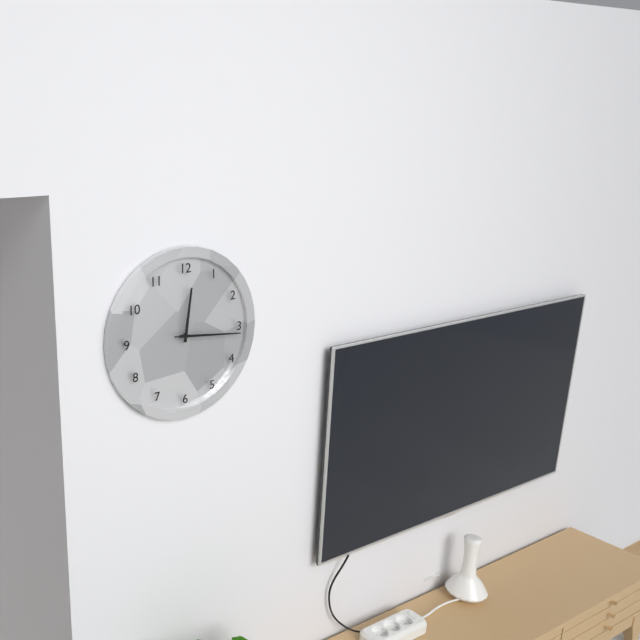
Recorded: 12:16:16
